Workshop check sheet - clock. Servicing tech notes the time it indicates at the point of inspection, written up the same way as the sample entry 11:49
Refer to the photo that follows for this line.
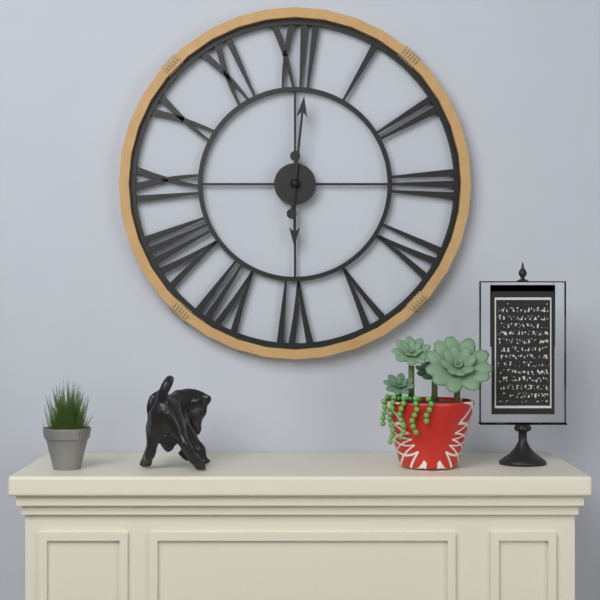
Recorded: 6:01
